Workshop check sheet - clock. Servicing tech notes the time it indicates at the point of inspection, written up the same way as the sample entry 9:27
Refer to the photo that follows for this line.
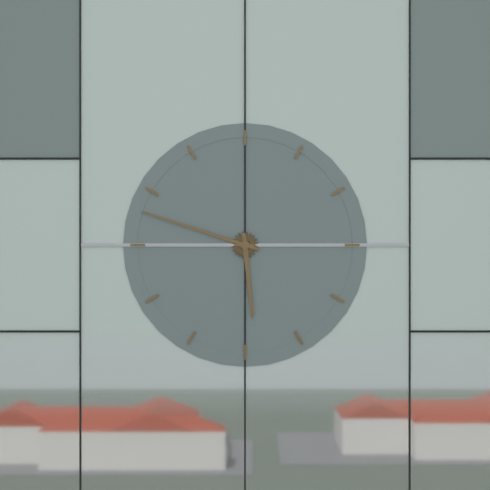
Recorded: 5:48
